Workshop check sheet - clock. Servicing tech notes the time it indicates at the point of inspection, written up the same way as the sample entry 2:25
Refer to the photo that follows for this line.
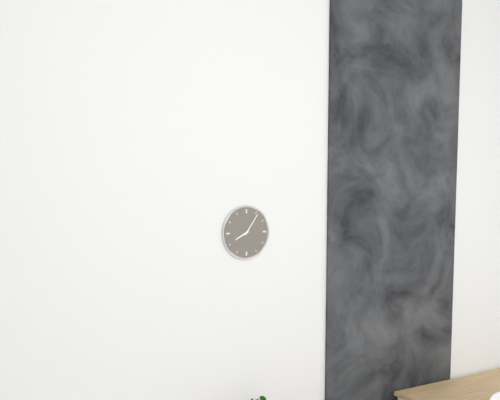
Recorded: 8:06
